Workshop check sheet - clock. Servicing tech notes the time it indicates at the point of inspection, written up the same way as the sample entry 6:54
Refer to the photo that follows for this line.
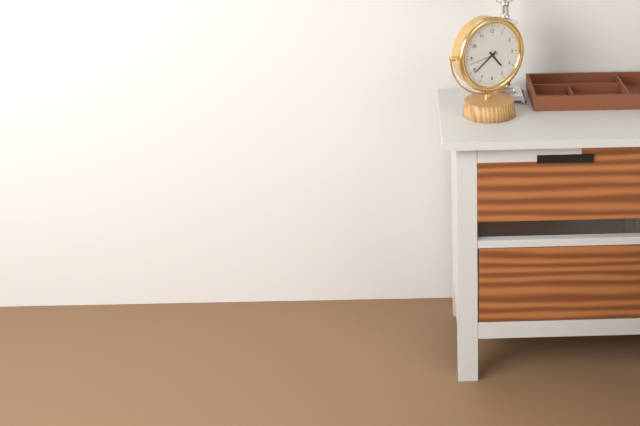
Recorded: 4:39
